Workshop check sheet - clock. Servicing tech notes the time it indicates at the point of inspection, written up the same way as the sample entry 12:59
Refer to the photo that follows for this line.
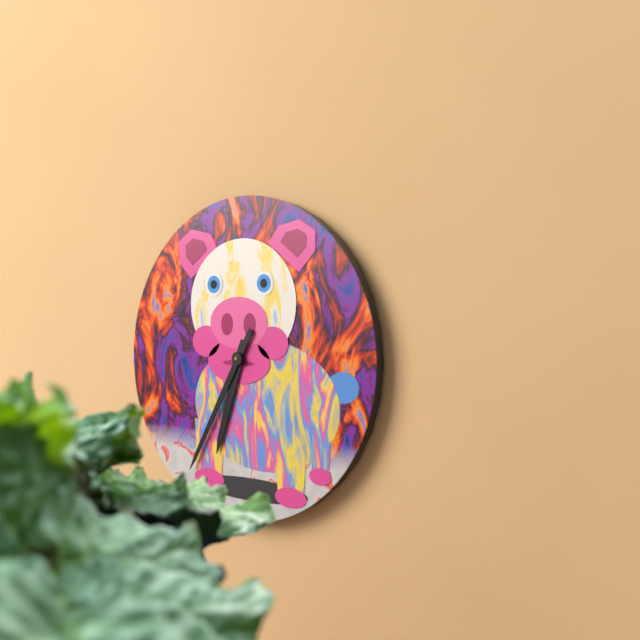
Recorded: 6:35
